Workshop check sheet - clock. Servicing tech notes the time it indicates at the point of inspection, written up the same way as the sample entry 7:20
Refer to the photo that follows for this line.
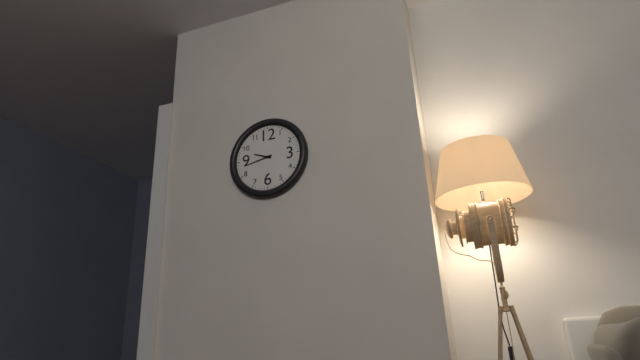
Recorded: 9:43
